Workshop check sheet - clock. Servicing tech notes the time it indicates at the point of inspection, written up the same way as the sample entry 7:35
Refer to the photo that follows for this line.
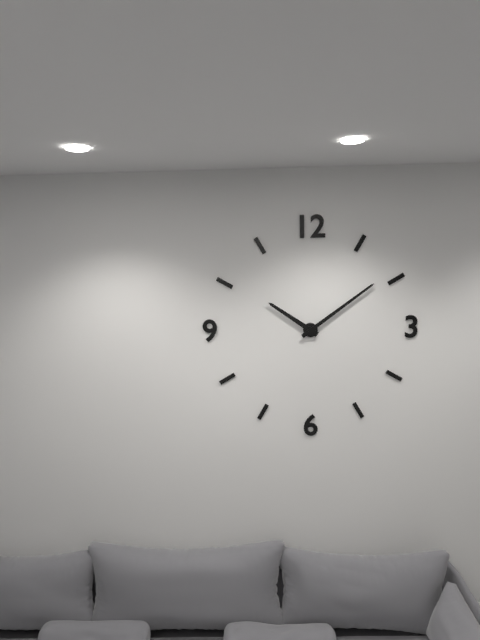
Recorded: 10:09
